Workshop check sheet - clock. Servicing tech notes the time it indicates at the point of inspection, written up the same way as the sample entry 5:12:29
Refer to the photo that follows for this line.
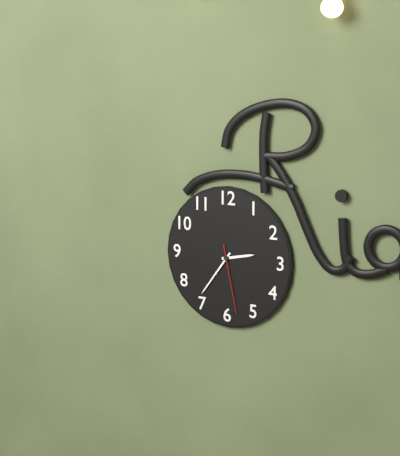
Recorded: 2:36:28
